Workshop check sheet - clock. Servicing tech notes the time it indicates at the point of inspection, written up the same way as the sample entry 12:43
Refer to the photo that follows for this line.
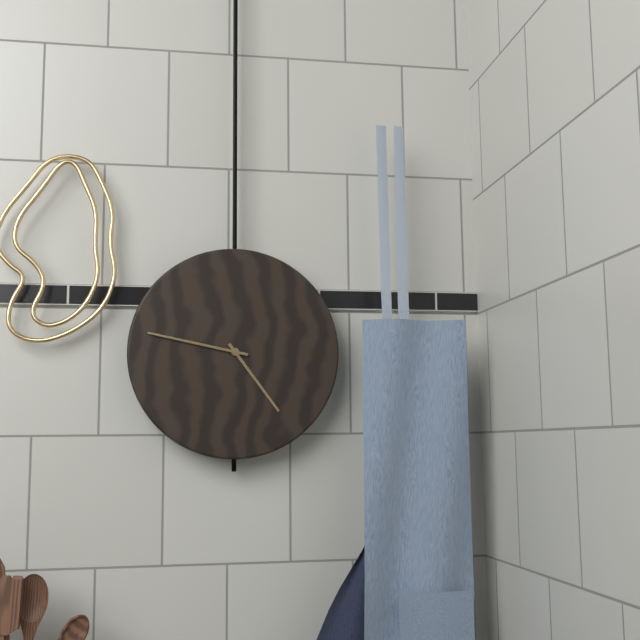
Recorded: 4:47
